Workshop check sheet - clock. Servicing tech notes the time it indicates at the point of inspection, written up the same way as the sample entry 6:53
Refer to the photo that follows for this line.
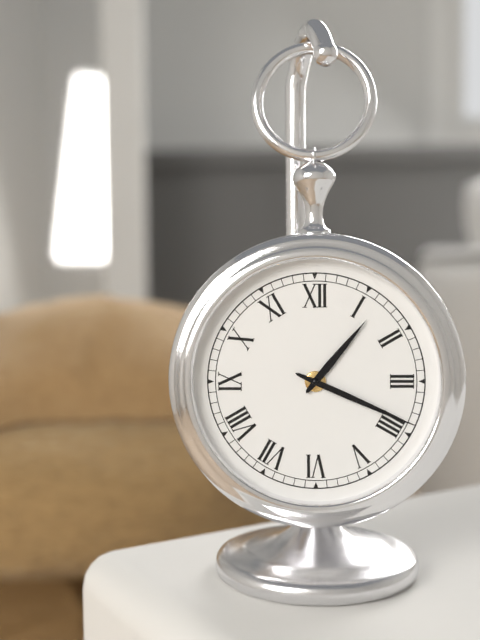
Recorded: 1:19
